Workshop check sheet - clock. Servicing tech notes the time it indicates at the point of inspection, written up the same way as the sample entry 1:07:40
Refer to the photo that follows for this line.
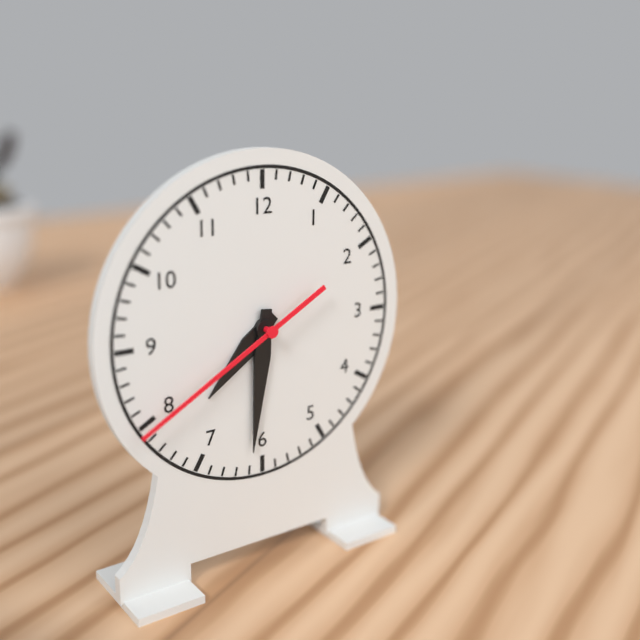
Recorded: 7:31:40
